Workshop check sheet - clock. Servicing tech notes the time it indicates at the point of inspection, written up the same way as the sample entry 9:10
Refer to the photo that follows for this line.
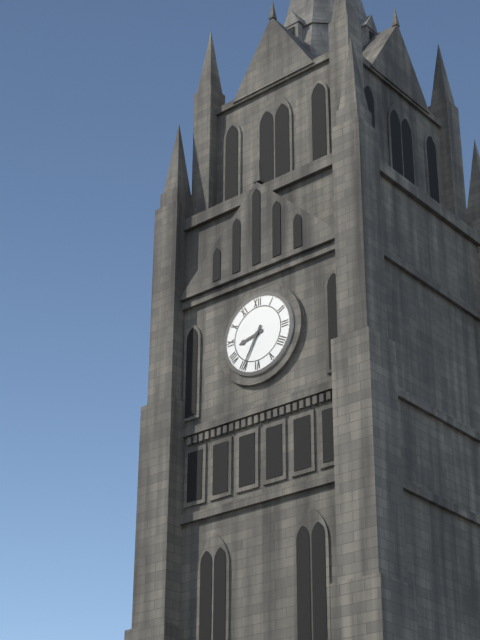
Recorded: 8:35
